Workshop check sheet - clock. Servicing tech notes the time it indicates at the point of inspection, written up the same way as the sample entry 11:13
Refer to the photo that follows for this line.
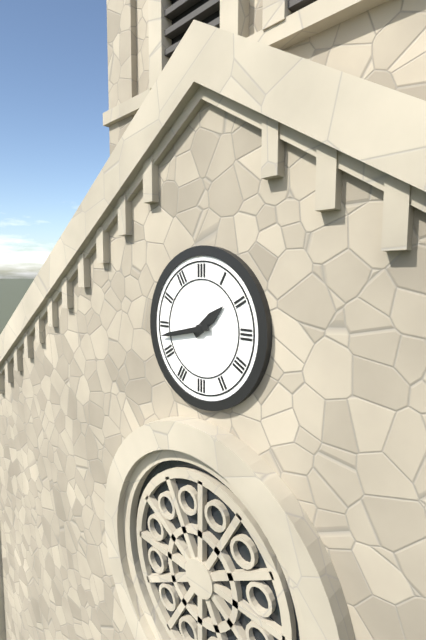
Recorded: 1:43
